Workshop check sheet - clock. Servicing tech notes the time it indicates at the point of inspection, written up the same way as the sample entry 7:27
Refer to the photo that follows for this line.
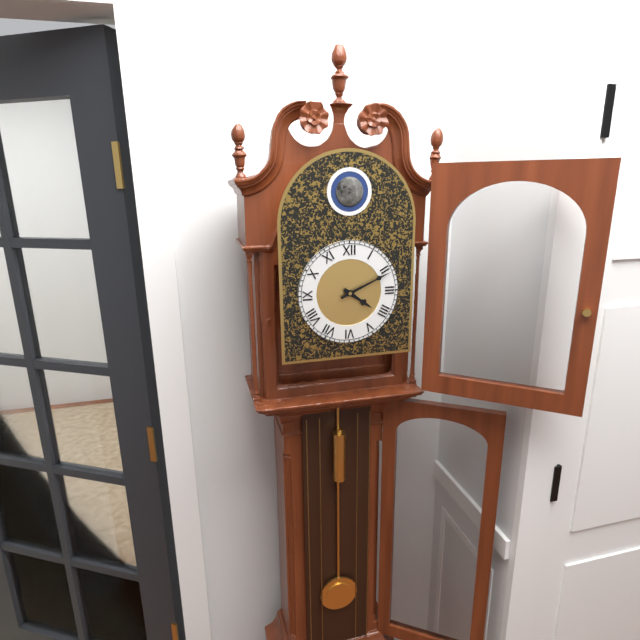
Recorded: 4:11
